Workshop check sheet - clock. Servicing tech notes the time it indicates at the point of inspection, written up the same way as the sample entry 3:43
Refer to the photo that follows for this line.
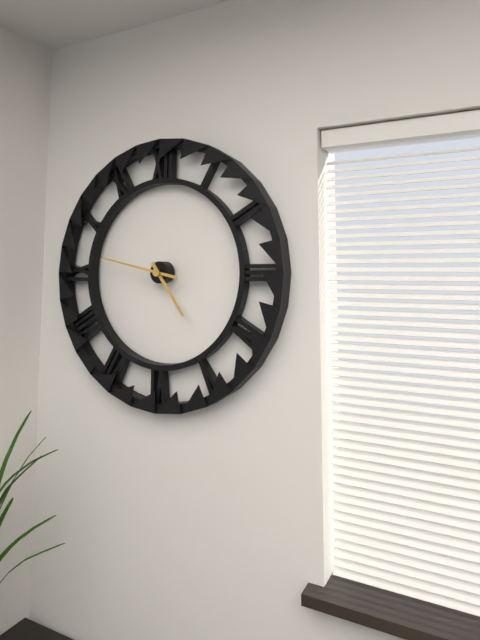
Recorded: 4:47
